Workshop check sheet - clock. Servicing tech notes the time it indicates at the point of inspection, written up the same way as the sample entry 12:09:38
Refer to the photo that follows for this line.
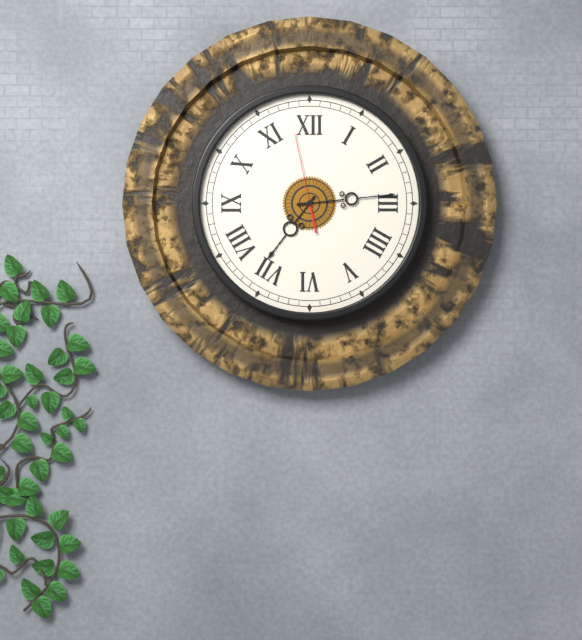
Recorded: 7:14:58
